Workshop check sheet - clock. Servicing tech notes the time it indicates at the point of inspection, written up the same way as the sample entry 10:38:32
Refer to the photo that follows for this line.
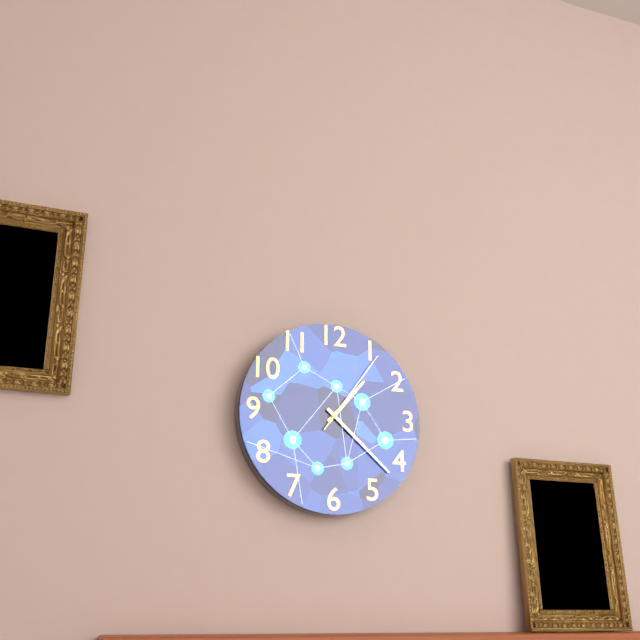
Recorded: 1:22:06
